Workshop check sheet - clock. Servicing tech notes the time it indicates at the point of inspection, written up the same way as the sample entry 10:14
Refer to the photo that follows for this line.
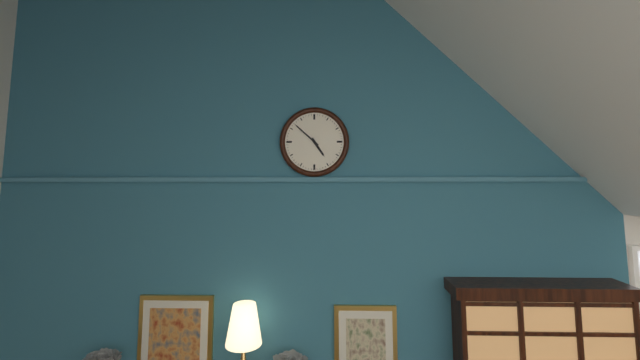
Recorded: 4:52
